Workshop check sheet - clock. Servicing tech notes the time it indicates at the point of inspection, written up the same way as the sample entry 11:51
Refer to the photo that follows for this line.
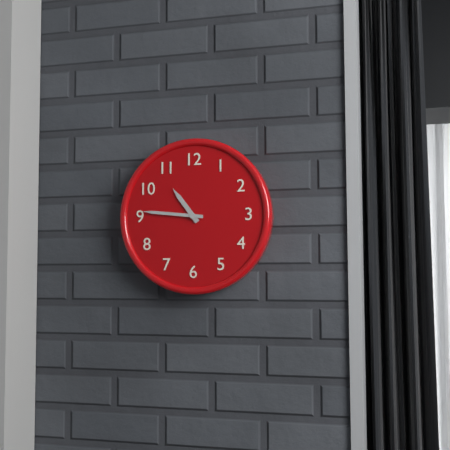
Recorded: 10:46
